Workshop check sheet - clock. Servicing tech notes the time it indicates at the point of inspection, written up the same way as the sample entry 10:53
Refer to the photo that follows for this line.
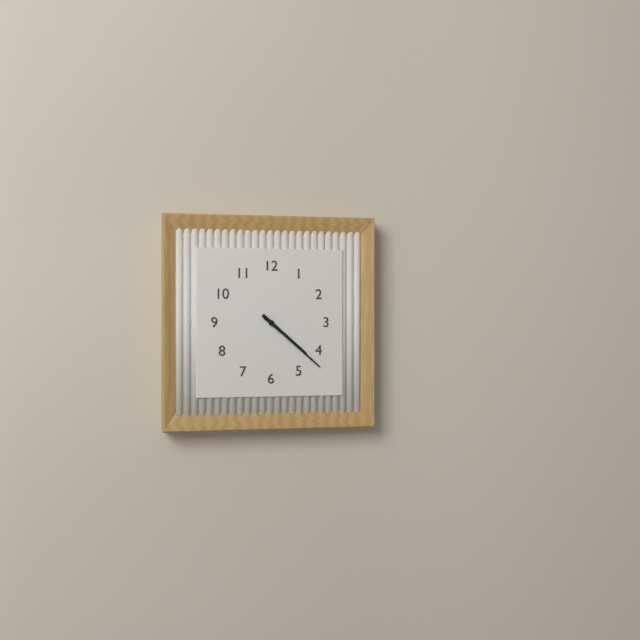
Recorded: 4:22
